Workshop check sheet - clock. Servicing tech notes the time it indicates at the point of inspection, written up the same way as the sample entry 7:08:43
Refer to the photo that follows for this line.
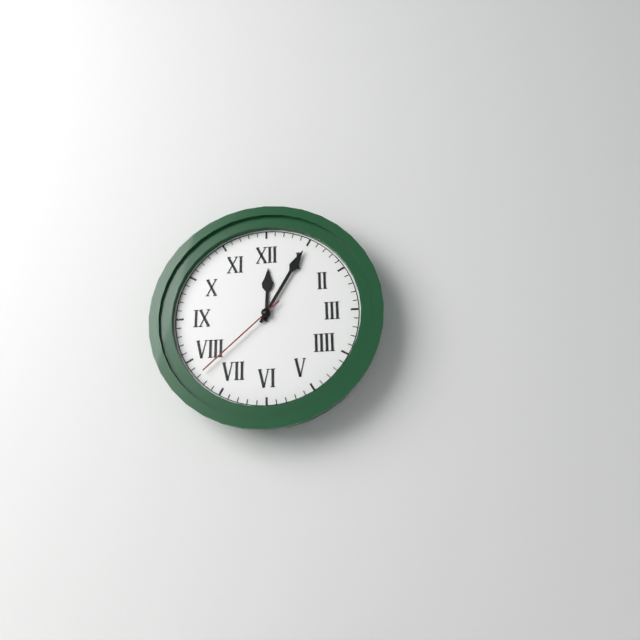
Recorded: 12:05:38
